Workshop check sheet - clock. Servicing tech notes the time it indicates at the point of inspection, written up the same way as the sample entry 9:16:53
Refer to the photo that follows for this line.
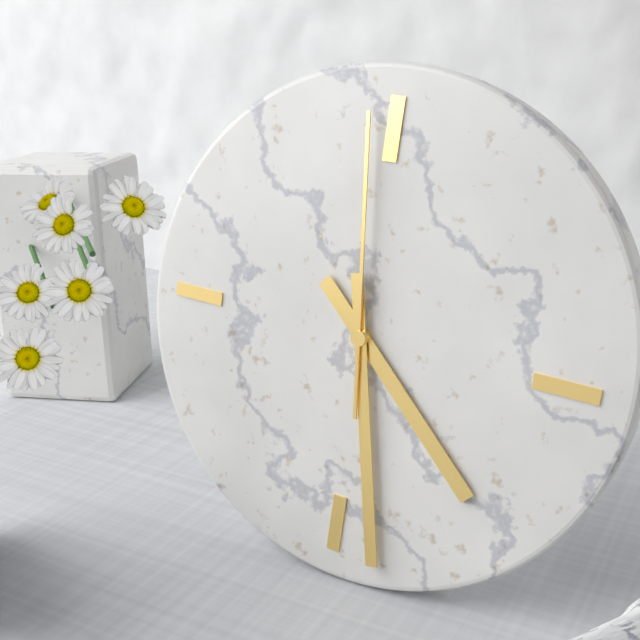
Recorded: 4:28:59
